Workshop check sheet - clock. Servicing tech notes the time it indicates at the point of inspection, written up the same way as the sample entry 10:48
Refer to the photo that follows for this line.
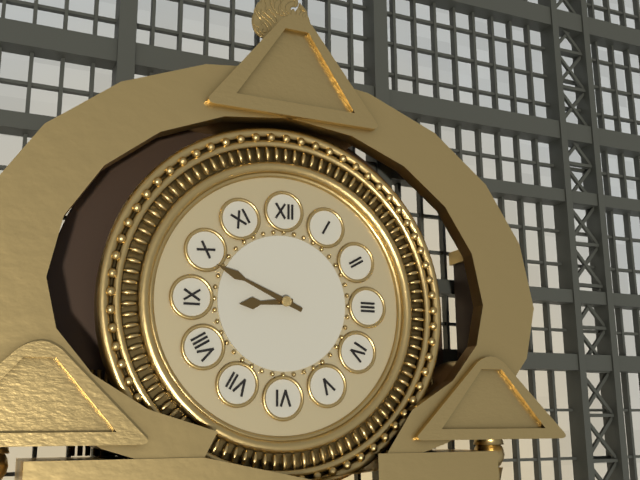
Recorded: 8:49
